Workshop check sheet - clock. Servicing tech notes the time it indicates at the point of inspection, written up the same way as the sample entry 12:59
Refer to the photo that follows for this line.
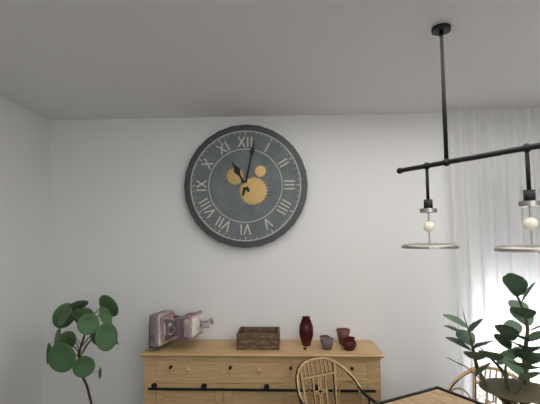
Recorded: 11:02
